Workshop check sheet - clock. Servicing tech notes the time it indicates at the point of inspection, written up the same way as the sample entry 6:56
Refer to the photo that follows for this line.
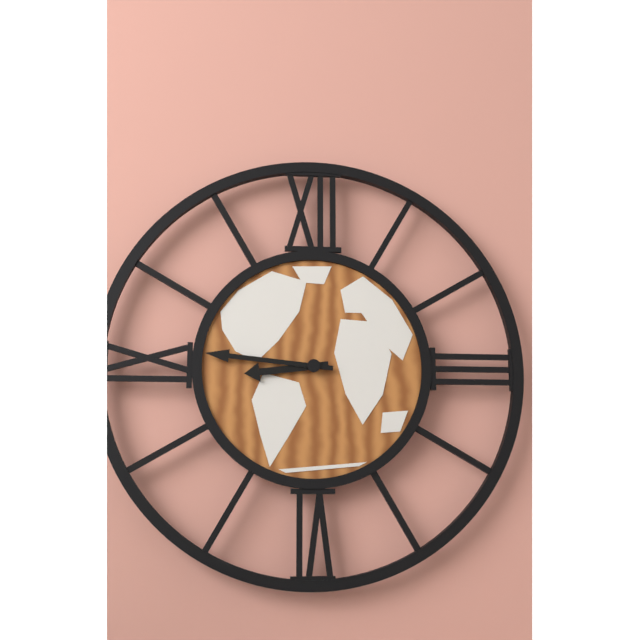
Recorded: 8:46
